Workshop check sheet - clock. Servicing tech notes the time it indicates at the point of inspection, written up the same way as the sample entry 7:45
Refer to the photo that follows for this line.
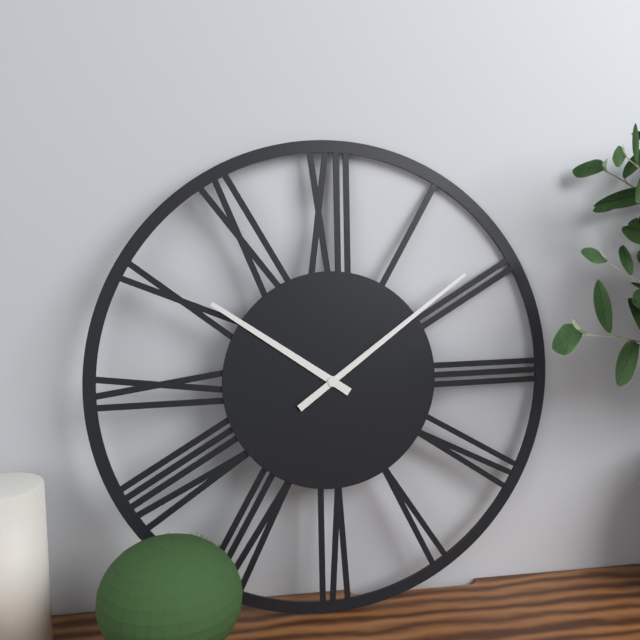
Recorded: 10:09
